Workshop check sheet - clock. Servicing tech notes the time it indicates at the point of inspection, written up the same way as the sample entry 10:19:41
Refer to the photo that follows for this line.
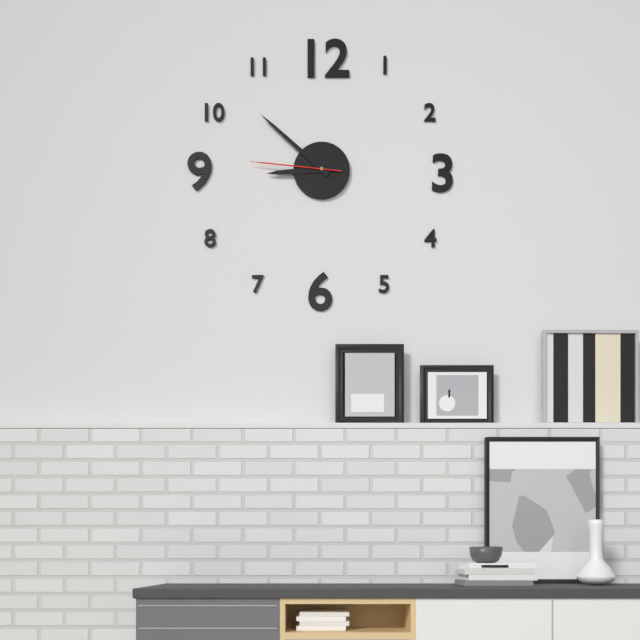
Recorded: 8:52:46
